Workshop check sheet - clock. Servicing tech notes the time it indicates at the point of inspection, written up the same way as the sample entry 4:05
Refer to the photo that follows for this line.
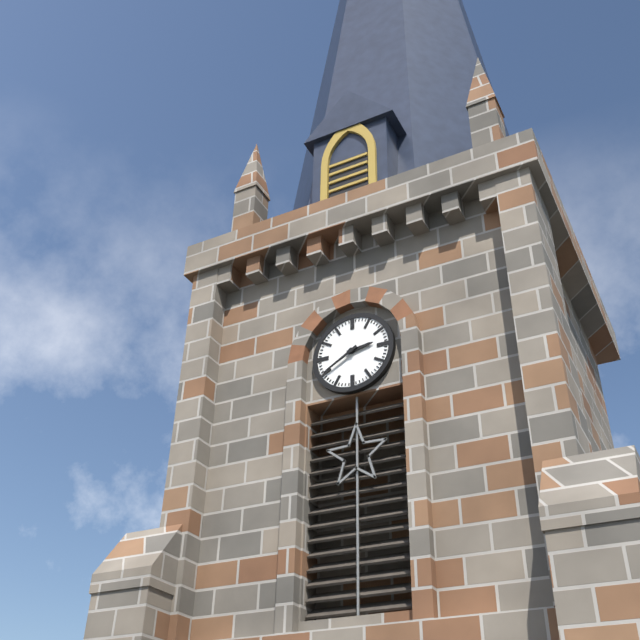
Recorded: 2:40
